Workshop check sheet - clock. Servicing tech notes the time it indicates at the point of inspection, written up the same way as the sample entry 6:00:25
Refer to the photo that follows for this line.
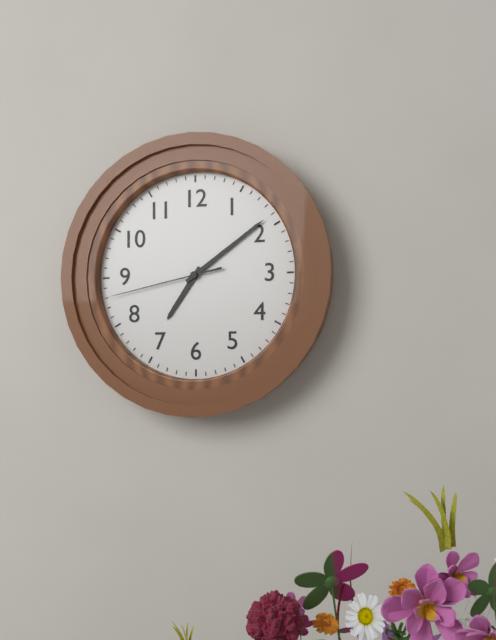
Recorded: 7:09:43
